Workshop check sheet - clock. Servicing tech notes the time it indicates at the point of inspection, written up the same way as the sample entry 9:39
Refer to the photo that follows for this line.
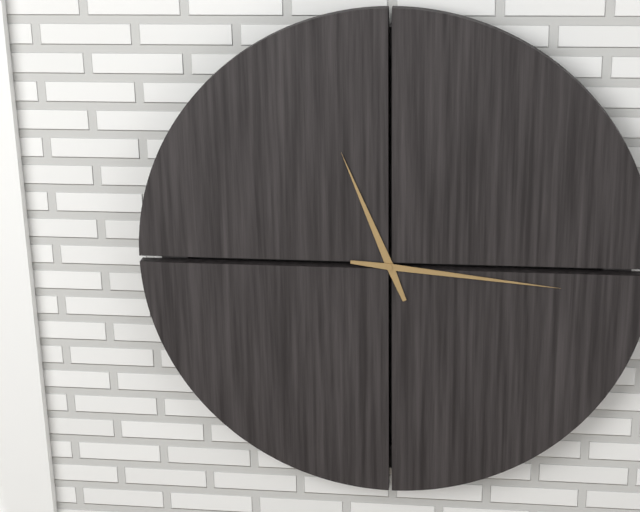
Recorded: 11:16
